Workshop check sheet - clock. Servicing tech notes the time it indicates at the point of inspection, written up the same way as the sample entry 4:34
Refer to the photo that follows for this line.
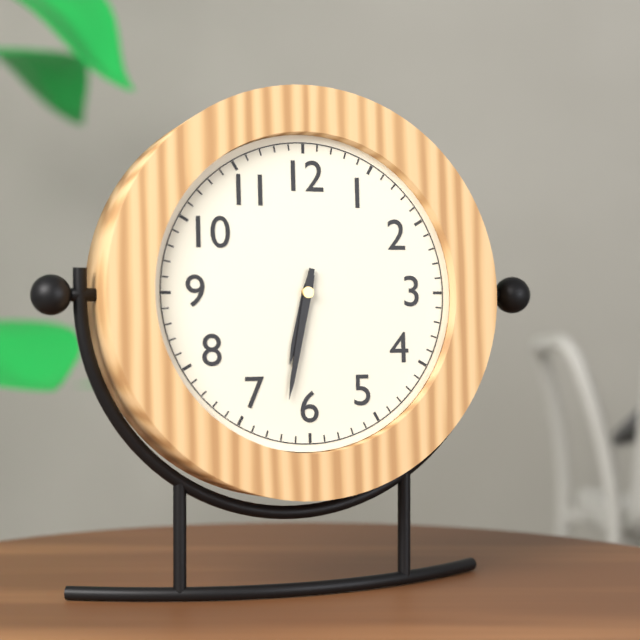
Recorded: 6:32
